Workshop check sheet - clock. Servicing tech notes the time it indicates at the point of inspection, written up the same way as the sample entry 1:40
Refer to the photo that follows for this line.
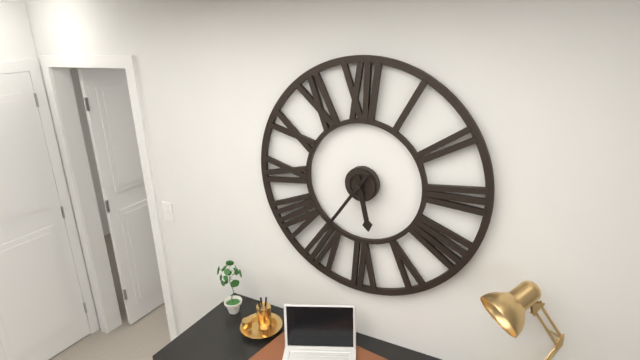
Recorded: 5:36
